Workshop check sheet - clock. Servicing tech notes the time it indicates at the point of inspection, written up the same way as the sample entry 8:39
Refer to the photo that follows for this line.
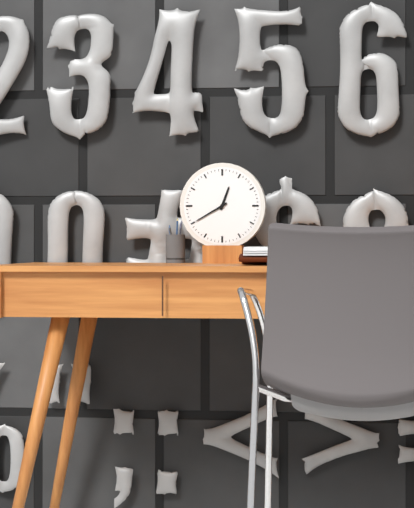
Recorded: 12:40
